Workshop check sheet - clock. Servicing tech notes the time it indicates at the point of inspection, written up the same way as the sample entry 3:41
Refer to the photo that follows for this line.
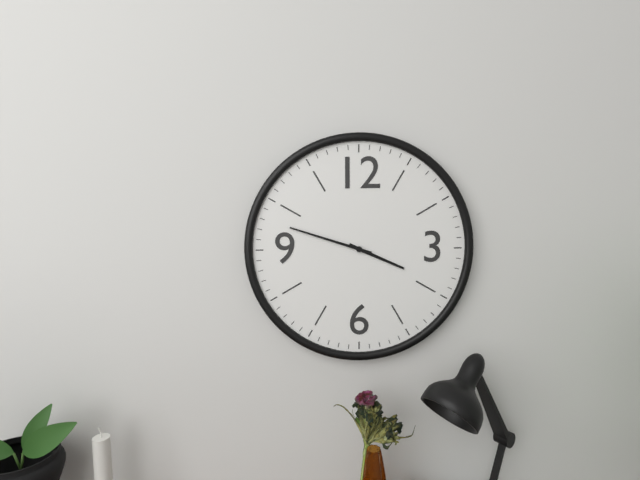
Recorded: 3:48
